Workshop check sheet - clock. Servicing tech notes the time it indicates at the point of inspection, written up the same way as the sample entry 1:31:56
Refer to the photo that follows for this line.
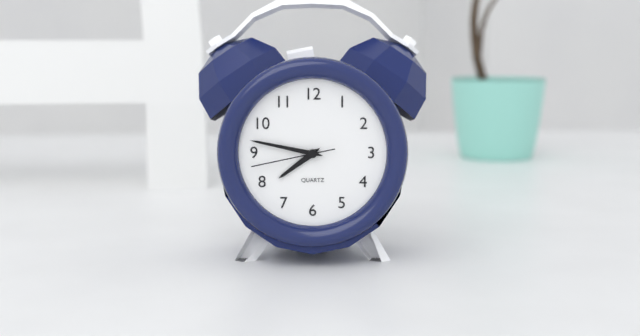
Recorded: 7:47:43
